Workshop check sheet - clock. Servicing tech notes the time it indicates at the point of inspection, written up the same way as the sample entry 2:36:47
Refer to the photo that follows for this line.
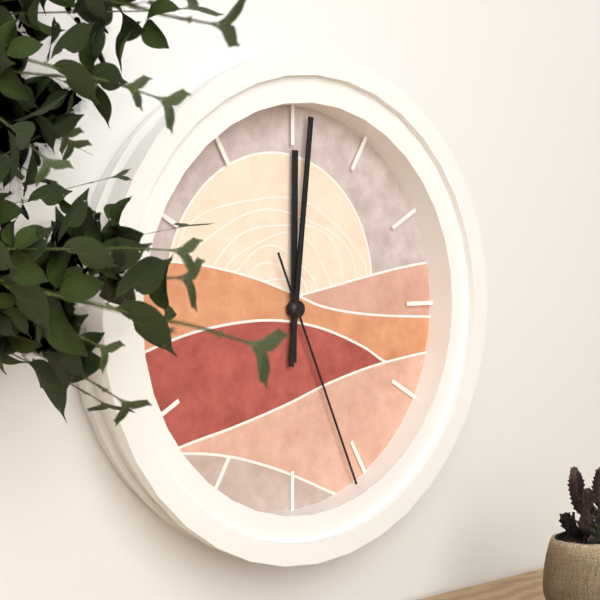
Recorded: 12:01:26
